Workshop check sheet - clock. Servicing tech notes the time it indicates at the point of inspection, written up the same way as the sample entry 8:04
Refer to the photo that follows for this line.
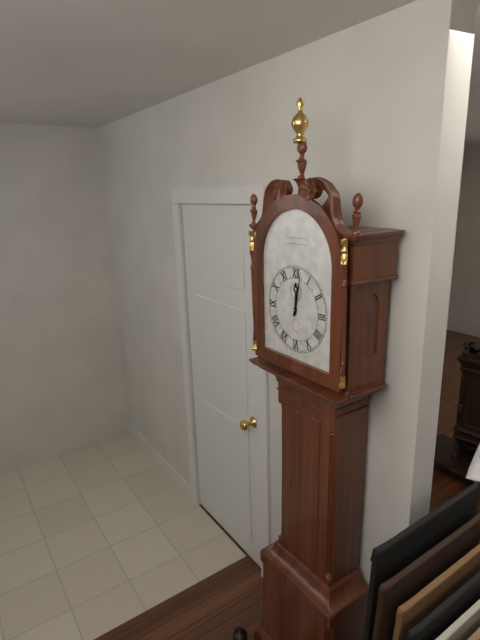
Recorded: 12:02
